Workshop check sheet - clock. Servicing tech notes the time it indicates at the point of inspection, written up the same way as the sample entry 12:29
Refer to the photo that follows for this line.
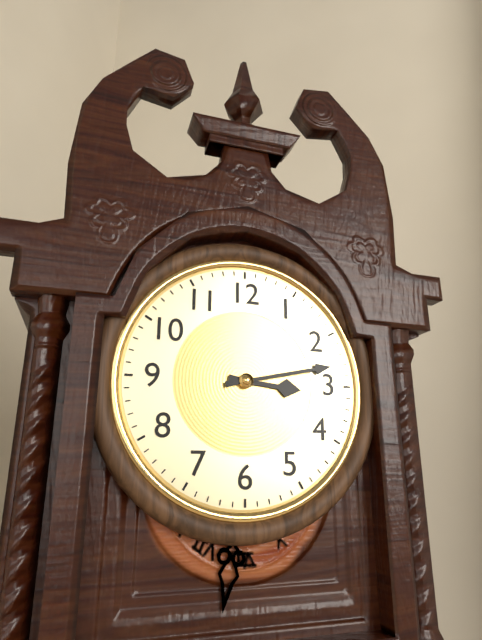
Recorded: 3:13
